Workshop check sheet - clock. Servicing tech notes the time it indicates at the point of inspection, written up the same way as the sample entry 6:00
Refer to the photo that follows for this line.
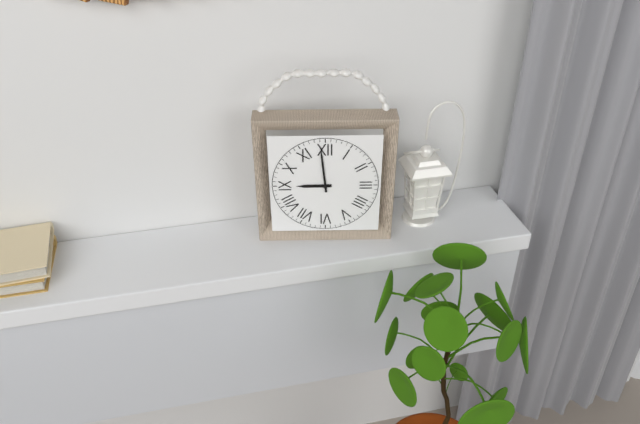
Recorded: 8:59
